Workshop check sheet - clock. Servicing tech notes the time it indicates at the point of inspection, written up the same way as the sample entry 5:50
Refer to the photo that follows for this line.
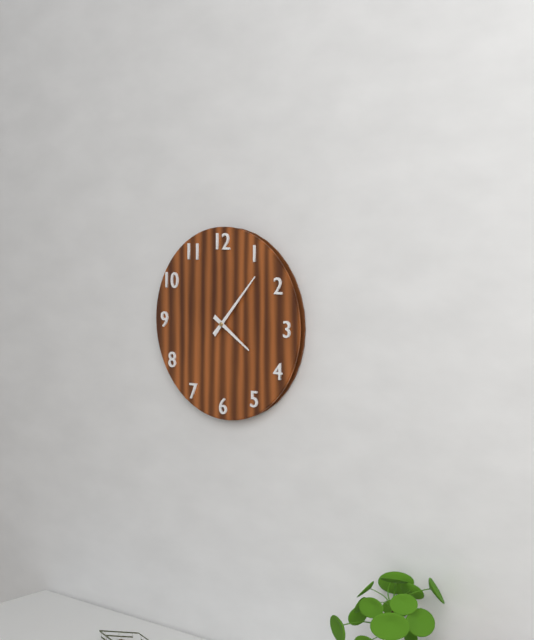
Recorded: 4:07
